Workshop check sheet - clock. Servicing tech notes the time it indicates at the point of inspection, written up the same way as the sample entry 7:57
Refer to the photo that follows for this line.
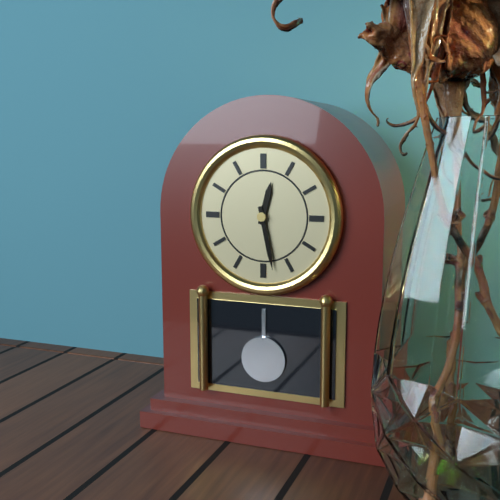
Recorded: 12:28
